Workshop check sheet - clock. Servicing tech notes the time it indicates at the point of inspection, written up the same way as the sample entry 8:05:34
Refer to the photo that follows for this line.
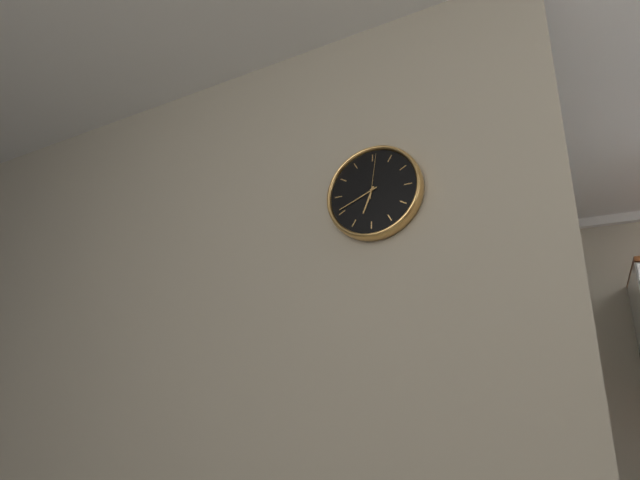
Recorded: 6:41:01
